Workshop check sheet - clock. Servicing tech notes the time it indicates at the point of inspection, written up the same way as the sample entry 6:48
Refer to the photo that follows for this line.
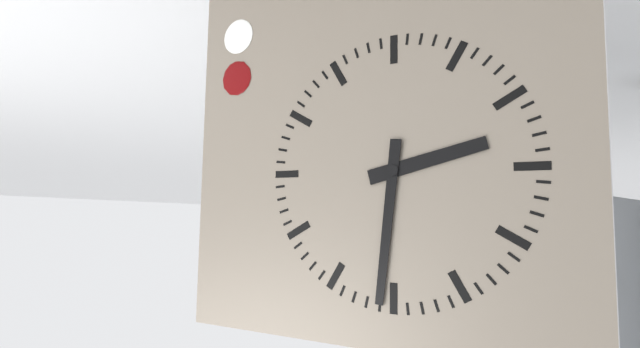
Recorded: 2:31
